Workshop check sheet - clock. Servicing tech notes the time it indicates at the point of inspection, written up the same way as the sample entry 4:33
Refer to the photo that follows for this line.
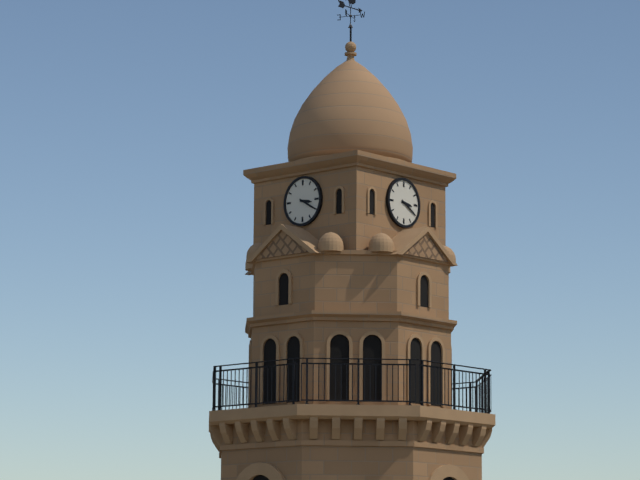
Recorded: 3:20
